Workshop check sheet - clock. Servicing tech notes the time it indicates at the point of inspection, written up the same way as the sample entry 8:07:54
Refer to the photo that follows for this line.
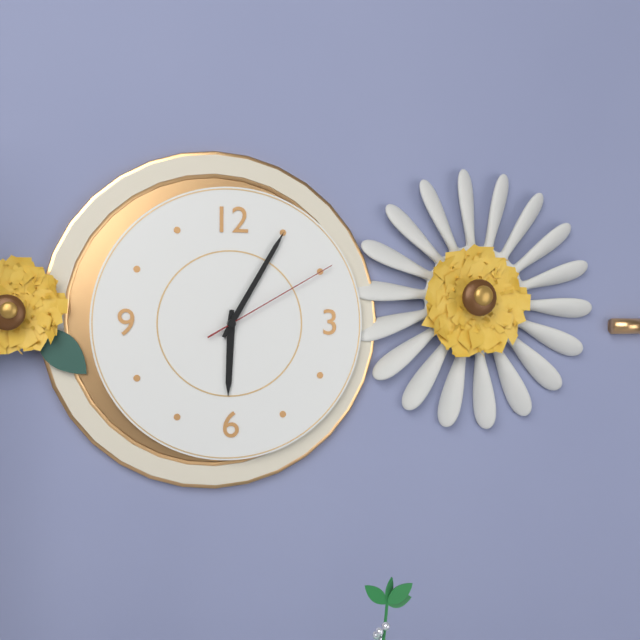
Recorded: 6:05:10
